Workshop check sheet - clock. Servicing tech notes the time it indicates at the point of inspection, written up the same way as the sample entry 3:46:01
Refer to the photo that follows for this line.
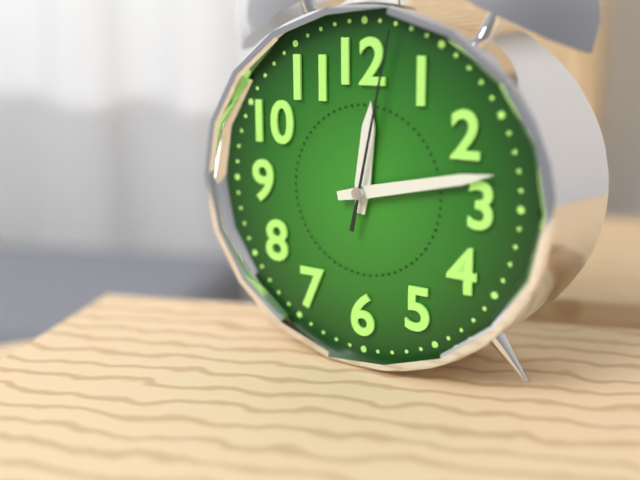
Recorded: 12:13:02
